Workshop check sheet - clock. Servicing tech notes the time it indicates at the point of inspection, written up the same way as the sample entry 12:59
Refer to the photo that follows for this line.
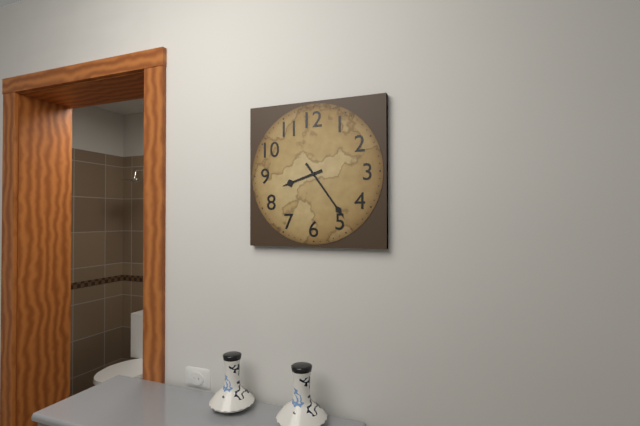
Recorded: 8:24
